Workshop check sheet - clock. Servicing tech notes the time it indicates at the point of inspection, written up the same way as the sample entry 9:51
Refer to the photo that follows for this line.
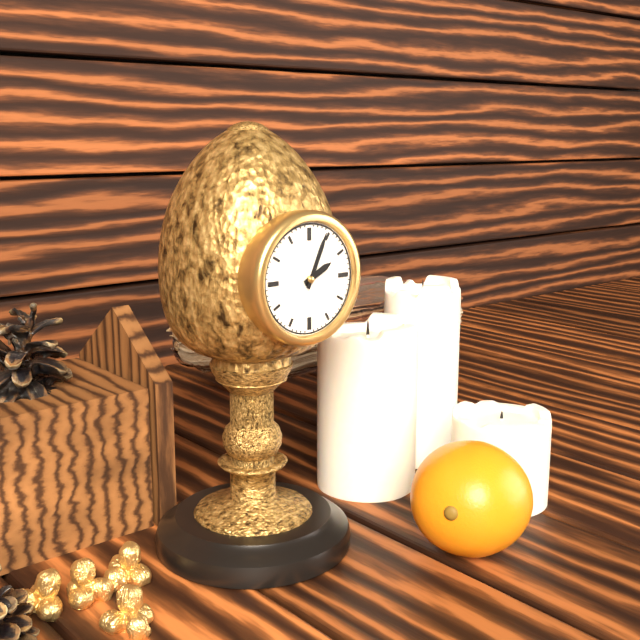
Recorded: 2:04
